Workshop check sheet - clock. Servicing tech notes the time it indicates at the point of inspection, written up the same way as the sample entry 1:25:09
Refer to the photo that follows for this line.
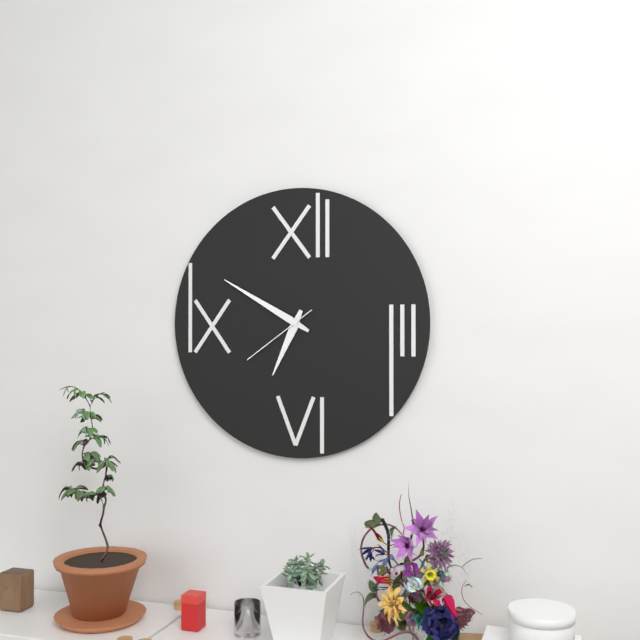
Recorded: 6:50:39
